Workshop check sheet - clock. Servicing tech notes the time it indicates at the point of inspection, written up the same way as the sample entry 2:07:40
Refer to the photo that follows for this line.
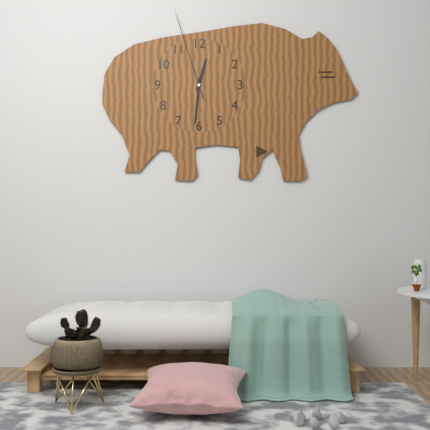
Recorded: 12:31:57
